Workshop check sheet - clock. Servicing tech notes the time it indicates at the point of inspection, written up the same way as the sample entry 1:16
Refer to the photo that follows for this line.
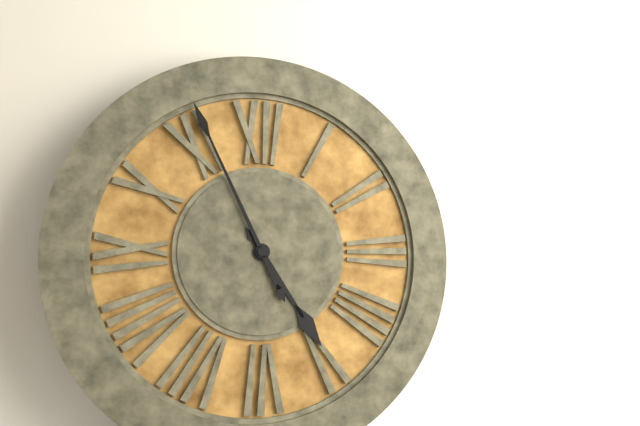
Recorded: 4:56
